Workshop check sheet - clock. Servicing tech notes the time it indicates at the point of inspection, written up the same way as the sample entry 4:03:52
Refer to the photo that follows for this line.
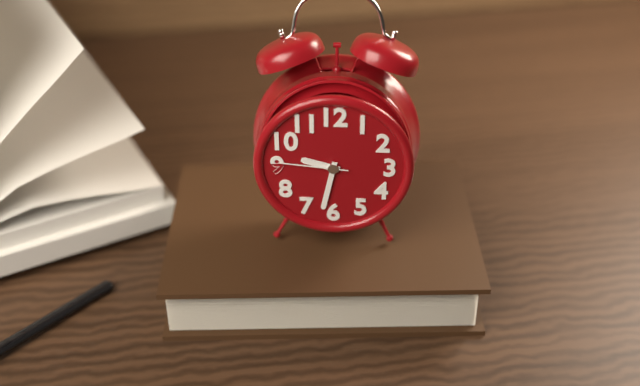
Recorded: 9:32:46
